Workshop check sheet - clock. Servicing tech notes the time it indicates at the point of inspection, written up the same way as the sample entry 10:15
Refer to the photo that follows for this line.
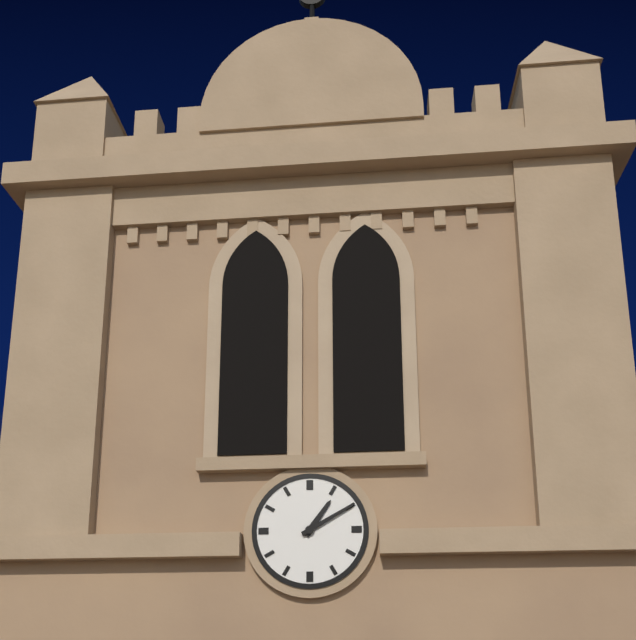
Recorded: 1:10
